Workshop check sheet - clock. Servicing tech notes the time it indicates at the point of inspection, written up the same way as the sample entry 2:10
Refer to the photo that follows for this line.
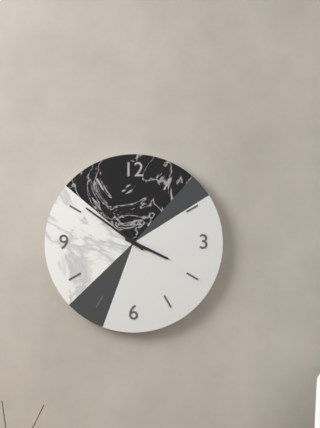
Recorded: 3:51
